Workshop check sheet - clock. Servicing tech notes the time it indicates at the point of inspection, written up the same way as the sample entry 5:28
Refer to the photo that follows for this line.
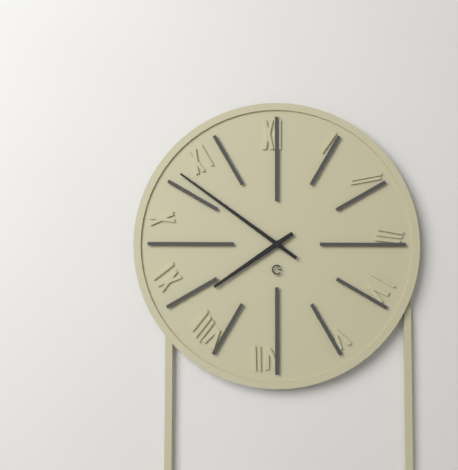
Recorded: 7:51
